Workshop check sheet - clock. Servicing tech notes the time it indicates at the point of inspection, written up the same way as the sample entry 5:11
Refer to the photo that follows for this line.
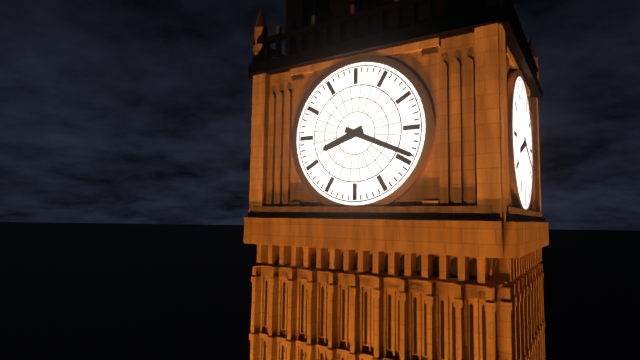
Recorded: 8:19
